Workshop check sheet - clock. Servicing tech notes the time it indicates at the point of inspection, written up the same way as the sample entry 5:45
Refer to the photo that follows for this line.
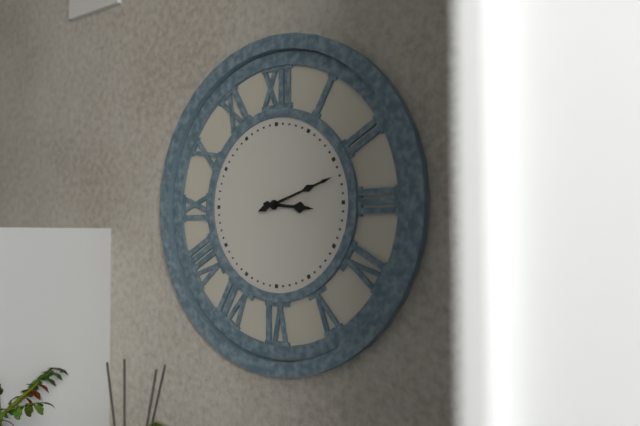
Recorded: 3:12
